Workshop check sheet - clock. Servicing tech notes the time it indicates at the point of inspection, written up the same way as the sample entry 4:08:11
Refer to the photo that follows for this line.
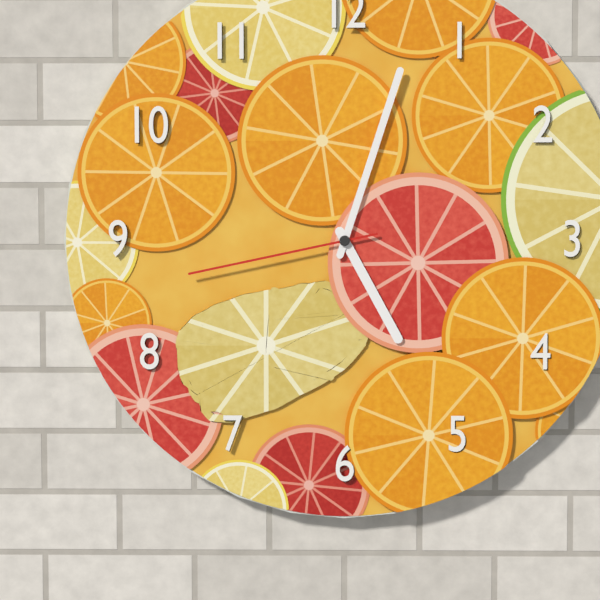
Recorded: 5:03:43
